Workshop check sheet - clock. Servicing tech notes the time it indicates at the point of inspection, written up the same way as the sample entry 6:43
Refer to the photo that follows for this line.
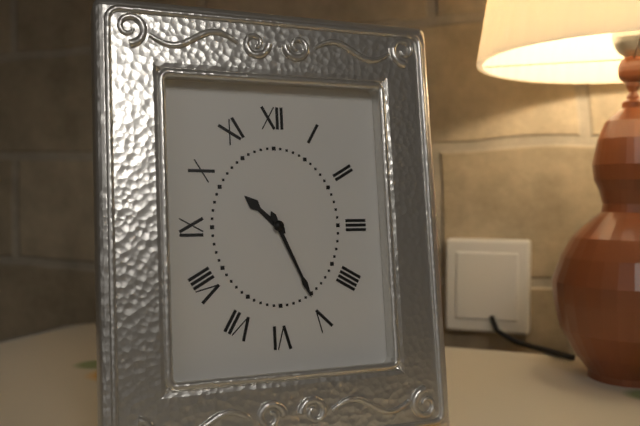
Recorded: 10:26
